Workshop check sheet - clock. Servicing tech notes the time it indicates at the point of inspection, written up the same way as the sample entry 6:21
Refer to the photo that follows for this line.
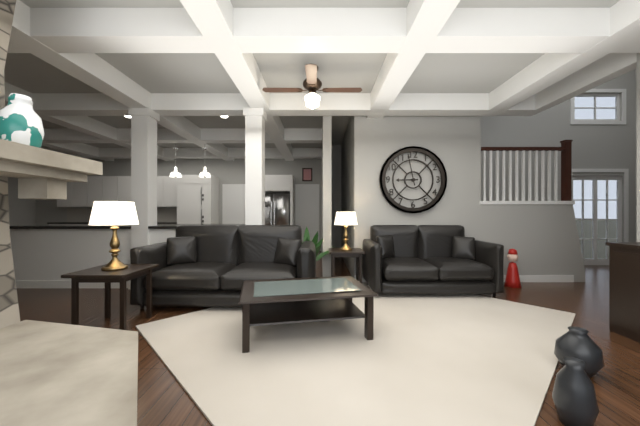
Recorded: 8:58
